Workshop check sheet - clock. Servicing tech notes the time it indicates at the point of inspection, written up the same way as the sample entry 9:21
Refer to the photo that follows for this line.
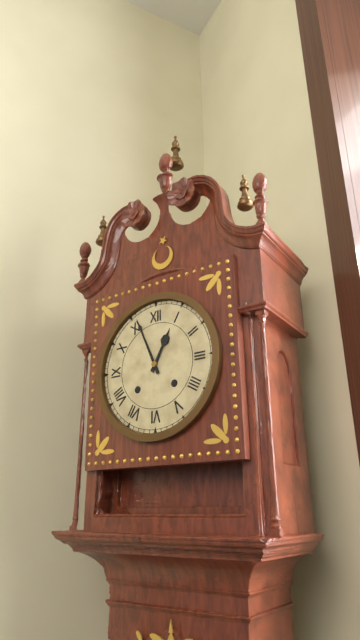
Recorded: 12:56
